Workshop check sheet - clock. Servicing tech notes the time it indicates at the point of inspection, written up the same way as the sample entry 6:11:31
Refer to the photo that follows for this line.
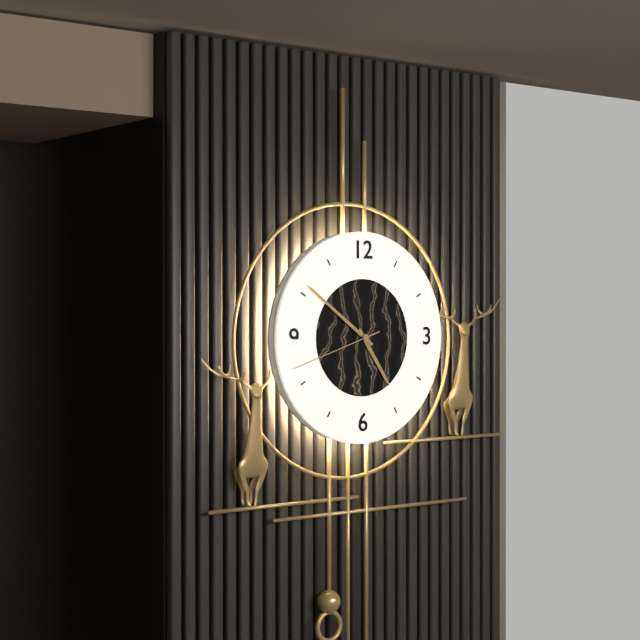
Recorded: 4:51:42
